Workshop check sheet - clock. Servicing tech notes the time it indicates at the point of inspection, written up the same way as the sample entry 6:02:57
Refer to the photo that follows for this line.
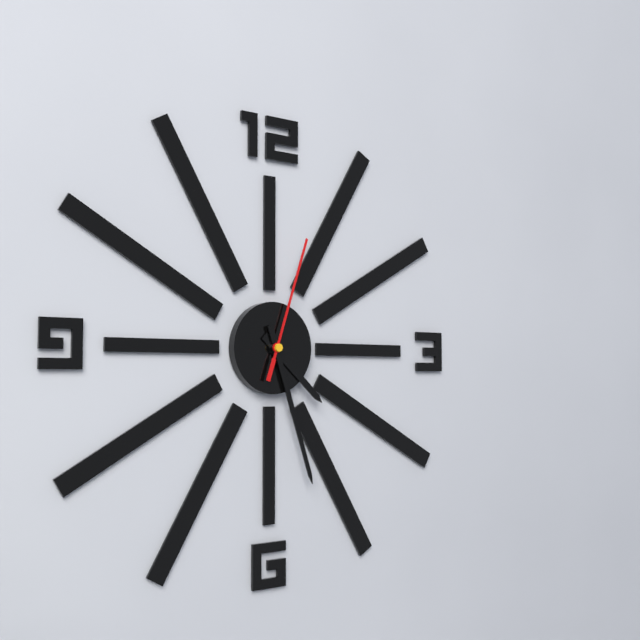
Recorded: 4:27:03
